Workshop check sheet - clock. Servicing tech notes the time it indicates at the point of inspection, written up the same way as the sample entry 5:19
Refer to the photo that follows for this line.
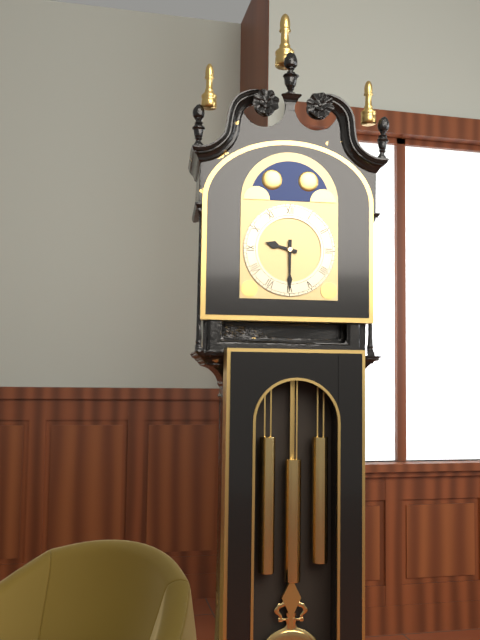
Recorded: 9:30
